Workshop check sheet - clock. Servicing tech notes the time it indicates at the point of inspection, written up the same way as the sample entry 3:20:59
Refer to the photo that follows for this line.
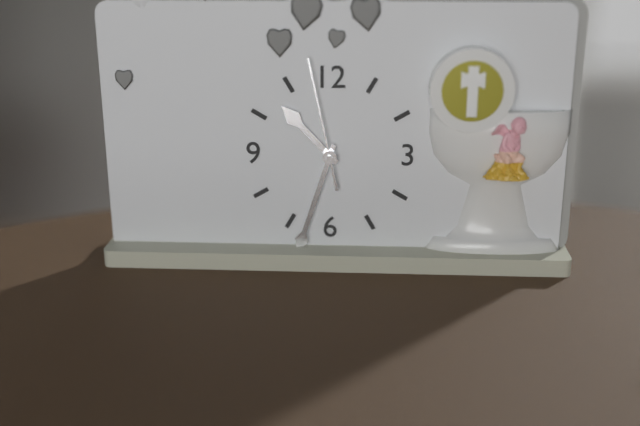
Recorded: 10:33:58
